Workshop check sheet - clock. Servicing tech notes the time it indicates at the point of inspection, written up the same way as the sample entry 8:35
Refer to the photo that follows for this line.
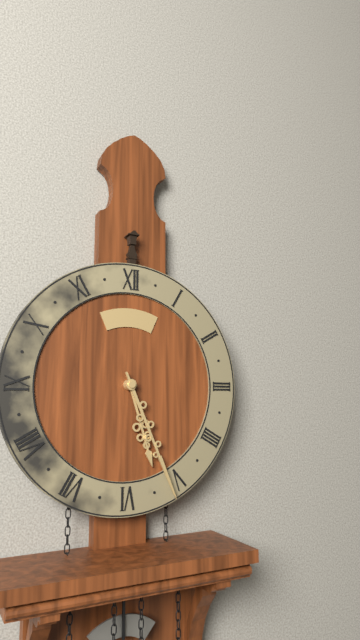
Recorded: 5:26
